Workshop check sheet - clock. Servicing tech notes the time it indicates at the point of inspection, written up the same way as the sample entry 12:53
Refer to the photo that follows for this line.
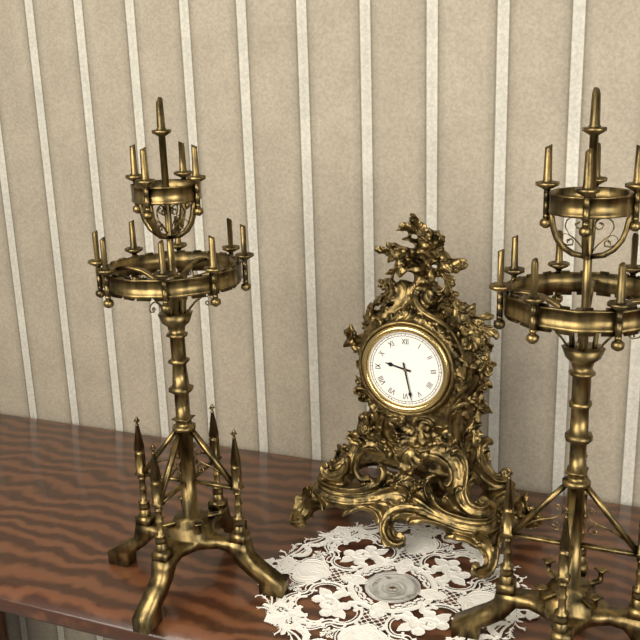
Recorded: 9:28
